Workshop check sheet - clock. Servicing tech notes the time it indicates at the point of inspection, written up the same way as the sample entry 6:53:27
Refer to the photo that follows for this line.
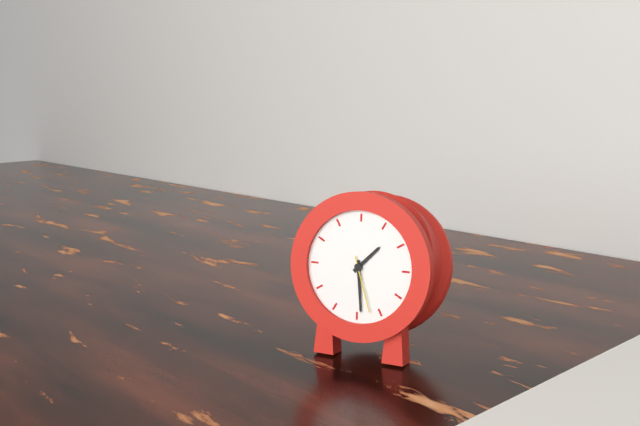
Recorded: 1:29:27
